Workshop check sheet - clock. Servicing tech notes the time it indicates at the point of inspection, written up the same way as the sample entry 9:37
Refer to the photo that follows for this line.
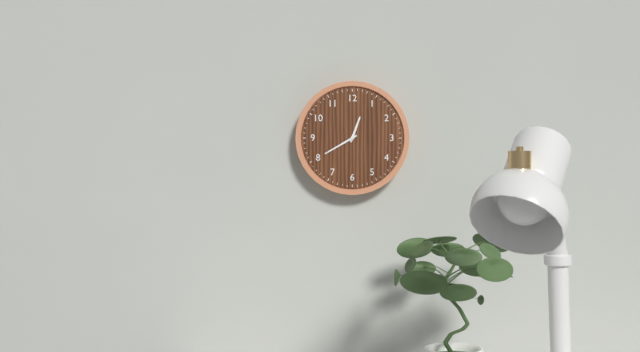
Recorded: 12:40
